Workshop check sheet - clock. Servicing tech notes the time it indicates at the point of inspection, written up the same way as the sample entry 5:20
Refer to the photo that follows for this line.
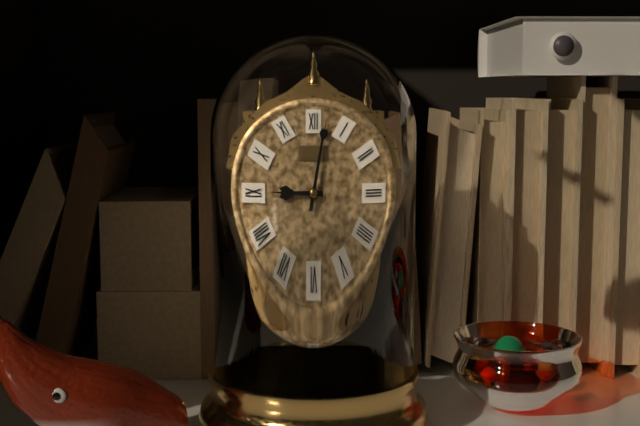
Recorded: 9:02
